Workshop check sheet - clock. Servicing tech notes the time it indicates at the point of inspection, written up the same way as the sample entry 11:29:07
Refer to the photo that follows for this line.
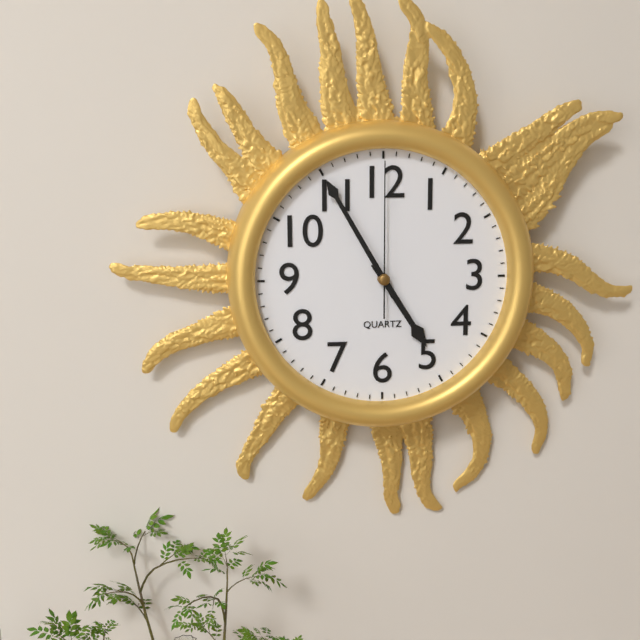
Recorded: 4:55:00
